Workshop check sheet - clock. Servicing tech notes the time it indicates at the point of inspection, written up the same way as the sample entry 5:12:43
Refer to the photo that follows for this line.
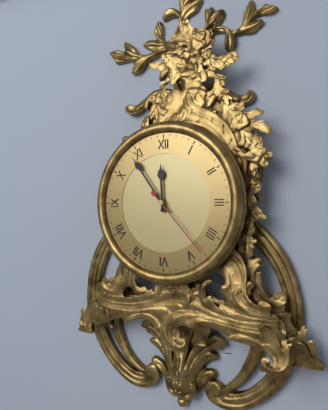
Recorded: 11:54:23
